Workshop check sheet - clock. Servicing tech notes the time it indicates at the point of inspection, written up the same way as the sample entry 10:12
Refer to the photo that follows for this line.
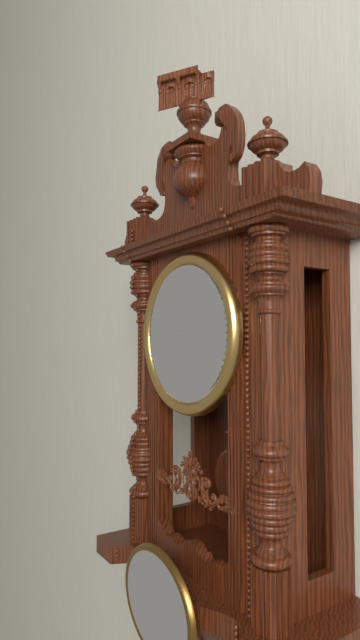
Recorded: 2:40
